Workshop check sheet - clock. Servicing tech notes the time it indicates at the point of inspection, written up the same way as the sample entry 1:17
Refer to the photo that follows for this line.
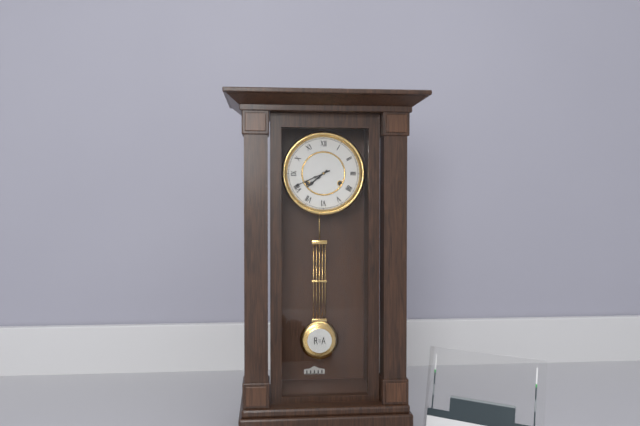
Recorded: 7:41
